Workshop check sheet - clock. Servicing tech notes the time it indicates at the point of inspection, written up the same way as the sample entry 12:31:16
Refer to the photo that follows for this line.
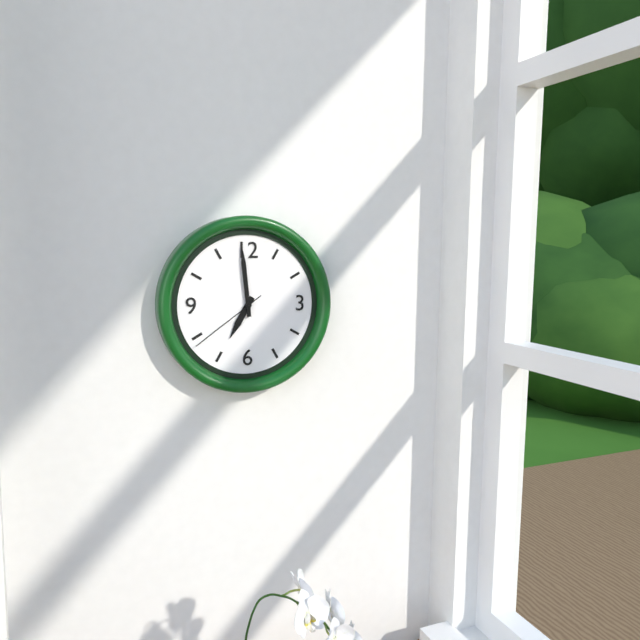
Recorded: 6:59:39
